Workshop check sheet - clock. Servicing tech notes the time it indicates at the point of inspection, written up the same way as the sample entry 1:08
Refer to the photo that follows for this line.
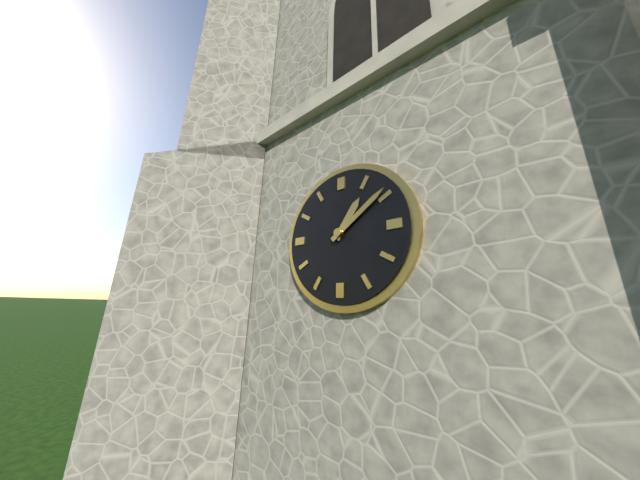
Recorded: 1:09
